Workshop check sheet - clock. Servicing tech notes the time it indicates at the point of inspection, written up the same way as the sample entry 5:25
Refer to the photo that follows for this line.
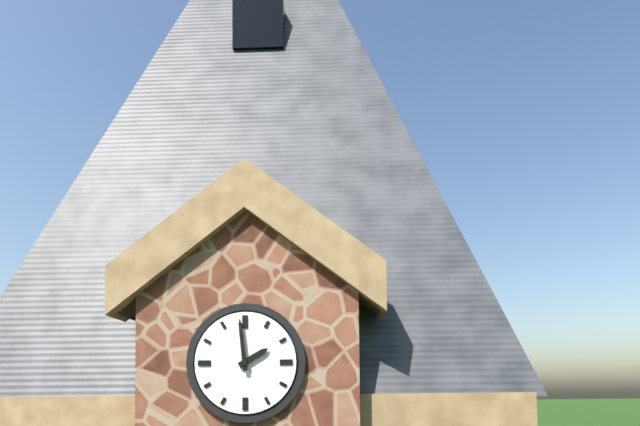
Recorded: 1:59
